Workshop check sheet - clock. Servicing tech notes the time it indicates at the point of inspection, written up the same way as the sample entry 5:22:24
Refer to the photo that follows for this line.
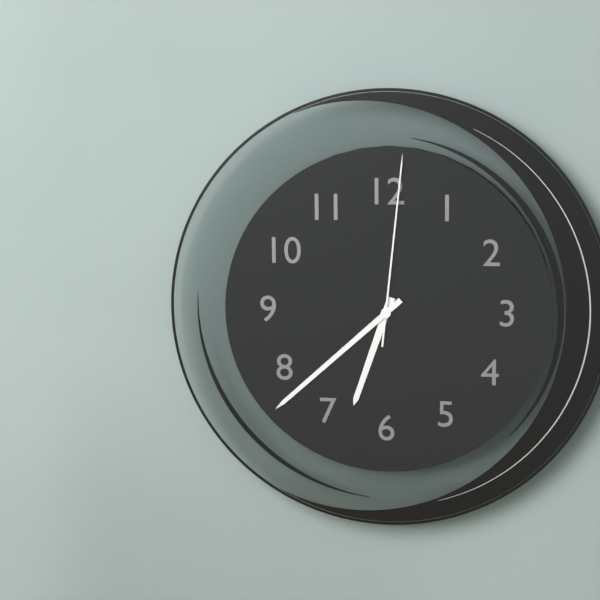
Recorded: 6:38:01
